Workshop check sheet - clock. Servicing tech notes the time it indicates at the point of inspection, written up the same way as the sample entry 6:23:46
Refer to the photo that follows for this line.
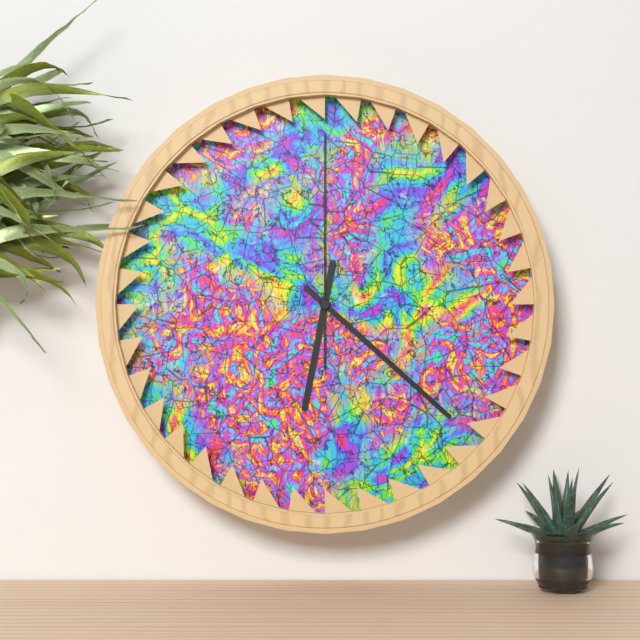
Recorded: 6:22:00
